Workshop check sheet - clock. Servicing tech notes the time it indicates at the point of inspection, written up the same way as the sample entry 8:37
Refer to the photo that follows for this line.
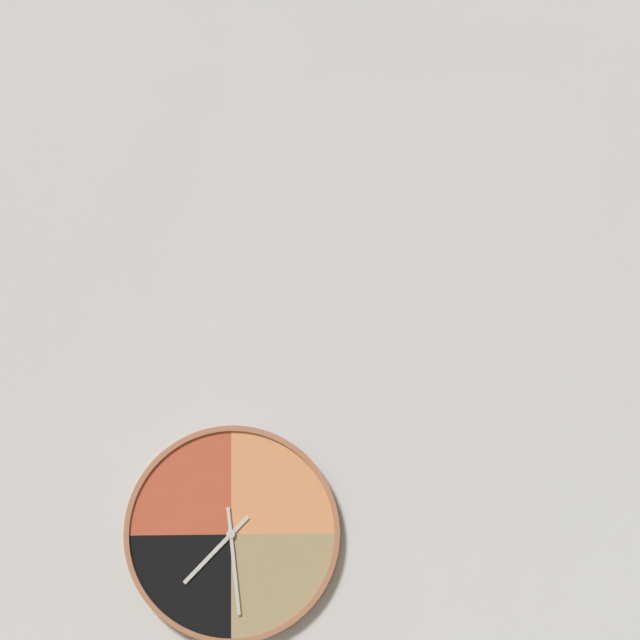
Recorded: 7:29
